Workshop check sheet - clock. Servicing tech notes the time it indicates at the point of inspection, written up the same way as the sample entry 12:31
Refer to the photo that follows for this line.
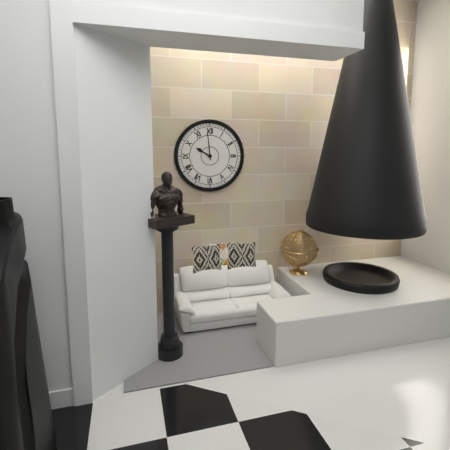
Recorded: 9:59
